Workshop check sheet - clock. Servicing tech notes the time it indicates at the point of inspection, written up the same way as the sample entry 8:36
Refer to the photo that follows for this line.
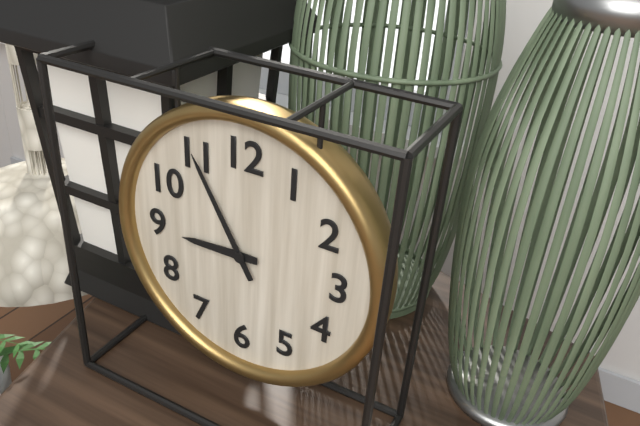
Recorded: 8:55
